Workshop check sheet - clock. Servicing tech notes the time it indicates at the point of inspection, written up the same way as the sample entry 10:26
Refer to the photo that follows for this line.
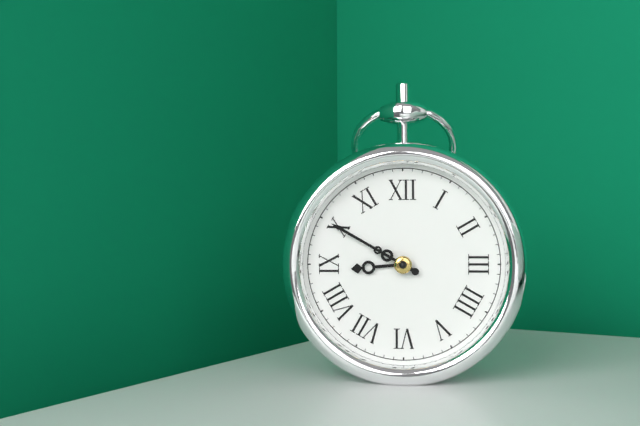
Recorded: 8:50
